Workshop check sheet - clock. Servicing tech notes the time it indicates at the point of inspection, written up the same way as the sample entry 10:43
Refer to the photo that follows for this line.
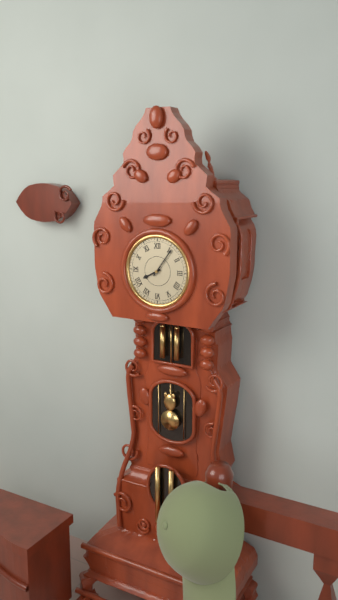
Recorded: 8:06
